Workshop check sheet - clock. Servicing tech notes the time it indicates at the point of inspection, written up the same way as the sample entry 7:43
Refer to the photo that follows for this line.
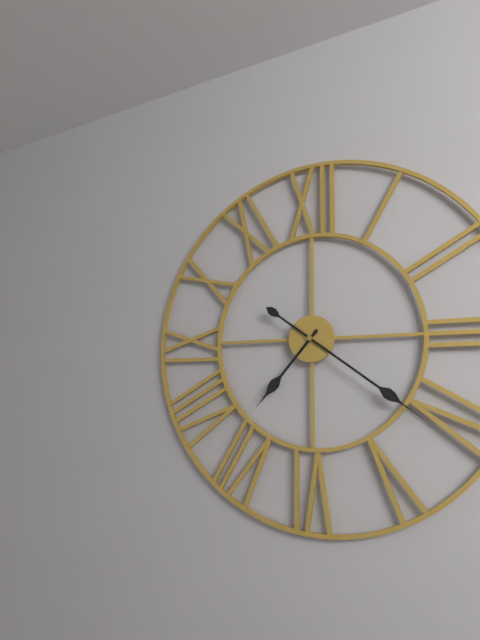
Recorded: 7:21
